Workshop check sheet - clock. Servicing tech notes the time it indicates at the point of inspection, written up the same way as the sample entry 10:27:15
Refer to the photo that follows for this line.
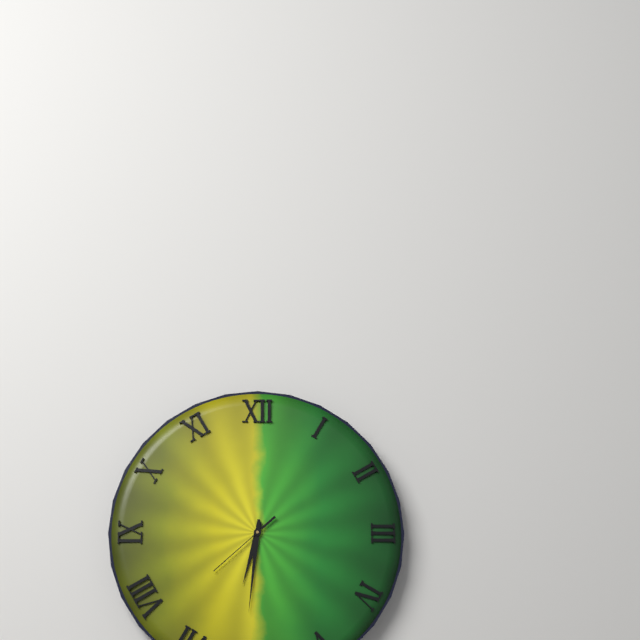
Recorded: 6:31:38
